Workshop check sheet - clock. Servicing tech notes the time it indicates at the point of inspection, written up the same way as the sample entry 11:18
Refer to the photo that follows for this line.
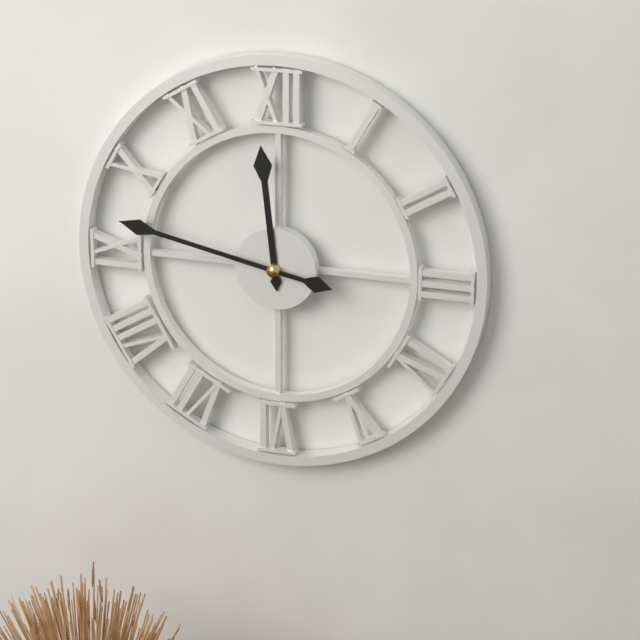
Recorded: 11:47
